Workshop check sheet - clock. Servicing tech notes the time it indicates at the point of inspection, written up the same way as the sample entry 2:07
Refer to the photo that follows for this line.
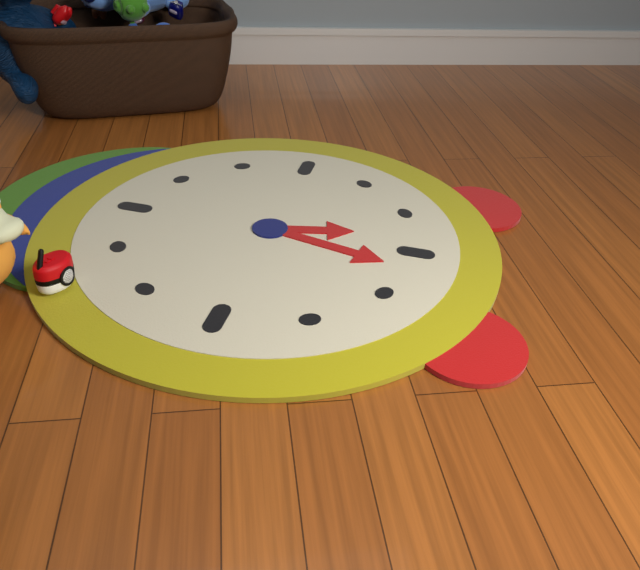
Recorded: 5:32
